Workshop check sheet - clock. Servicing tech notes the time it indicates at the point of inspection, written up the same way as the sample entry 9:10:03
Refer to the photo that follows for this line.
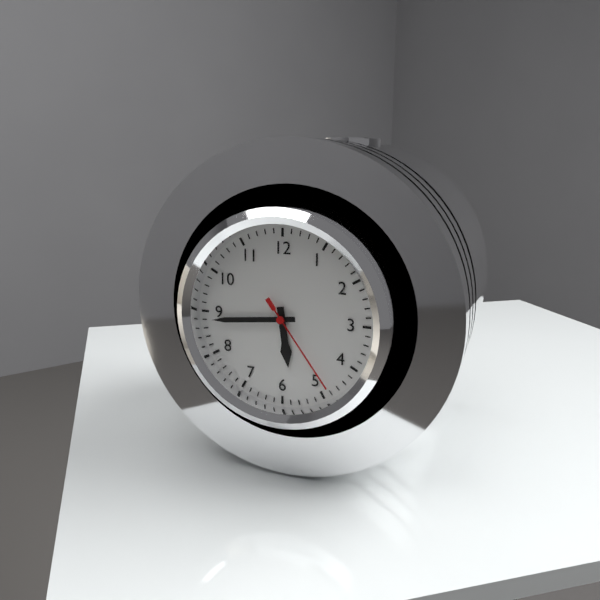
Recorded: 5:44:24
